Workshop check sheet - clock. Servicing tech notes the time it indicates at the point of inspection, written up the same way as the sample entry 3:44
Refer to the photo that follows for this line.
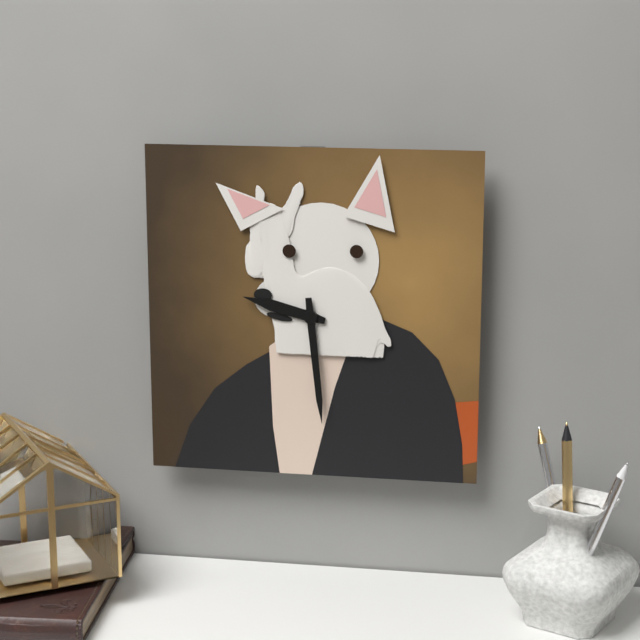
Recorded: 9:29
